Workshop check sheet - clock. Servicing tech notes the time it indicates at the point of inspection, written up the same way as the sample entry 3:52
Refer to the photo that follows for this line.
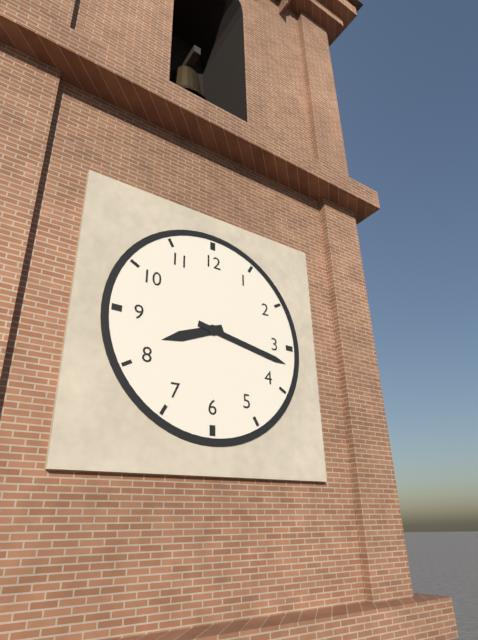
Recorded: 8:17
